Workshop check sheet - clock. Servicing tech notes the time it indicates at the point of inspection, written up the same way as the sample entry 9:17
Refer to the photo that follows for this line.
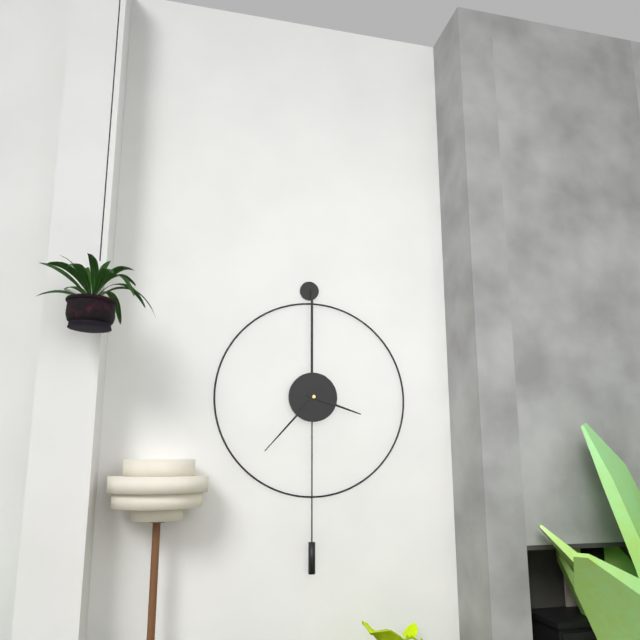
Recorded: 3:37
